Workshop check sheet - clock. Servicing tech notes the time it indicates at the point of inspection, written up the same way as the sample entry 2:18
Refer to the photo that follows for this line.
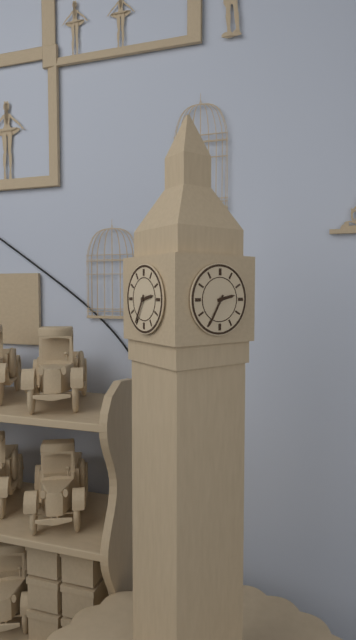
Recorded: 2:35
